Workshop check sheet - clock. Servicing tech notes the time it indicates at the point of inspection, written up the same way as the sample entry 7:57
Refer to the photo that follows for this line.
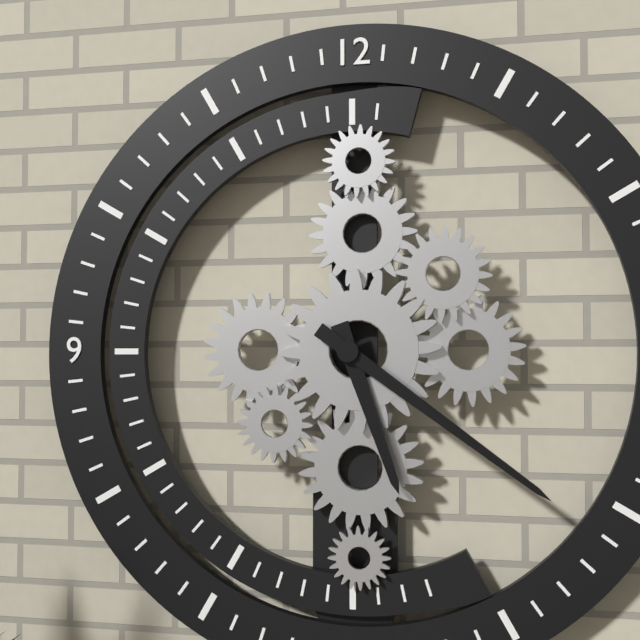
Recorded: 5:21
